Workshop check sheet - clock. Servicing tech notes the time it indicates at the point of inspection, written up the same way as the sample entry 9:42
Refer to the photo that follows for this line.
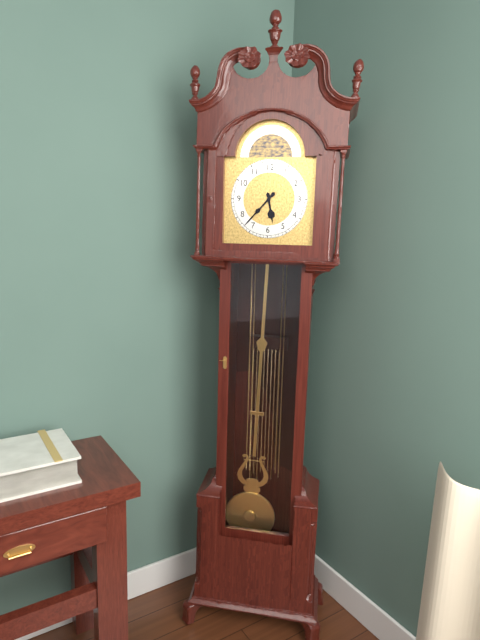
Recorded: 5:37
